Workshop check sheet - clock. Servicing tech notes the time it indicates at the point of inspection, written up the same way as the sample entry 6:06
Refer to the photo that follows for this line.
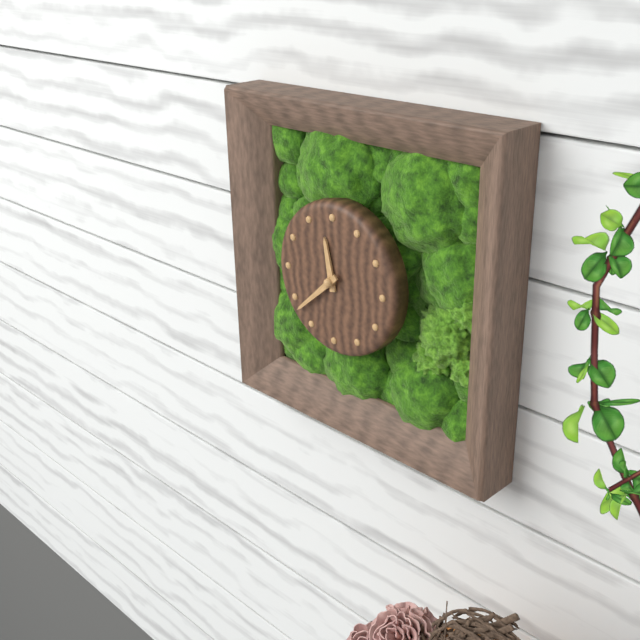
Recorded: 11:38
